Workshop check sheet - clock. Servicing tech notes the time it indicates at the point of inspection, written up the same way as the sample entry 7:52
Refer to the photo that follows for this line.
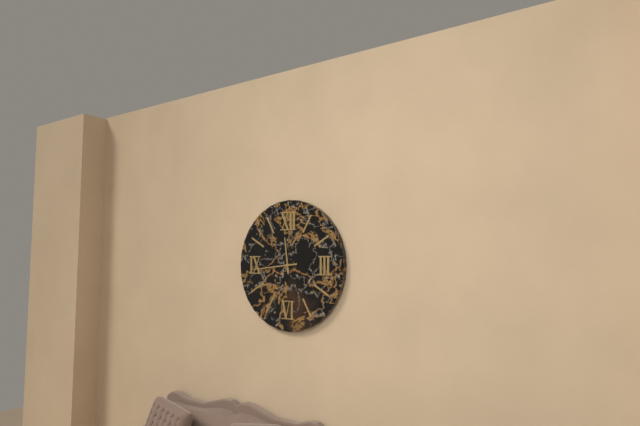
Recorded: 11:44
